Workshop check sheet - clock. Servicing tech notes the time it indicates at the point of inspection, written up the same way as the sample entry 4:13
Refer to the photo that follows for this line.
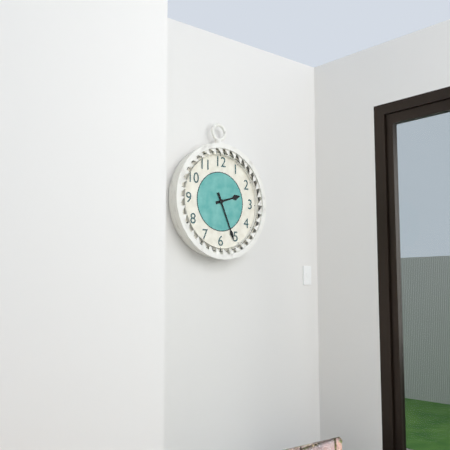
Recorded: 2:26
